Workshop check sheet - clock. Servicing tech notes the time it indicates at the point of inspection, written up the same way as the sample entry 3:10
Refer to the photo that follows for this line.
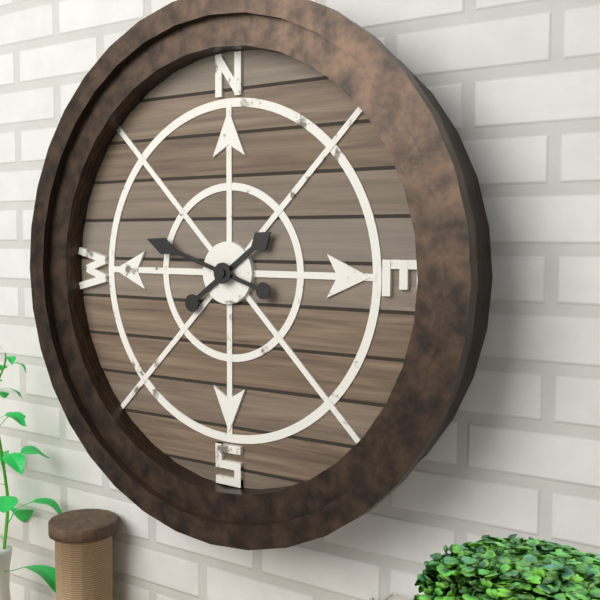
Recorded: 1:48
